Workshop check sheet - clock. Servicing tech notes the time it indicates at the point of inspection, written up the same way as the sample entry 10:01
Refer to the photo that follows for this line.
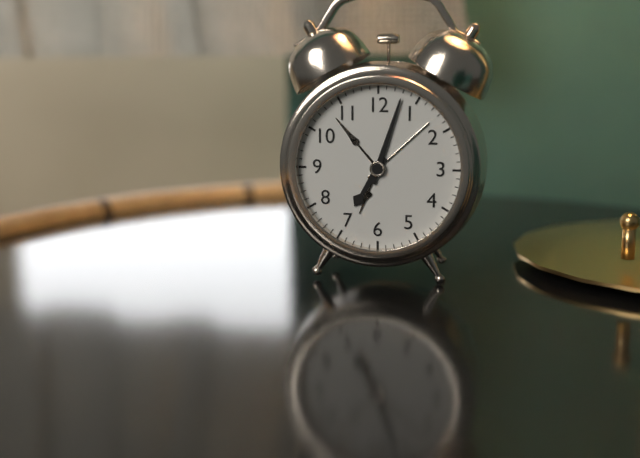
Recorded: 7:03
